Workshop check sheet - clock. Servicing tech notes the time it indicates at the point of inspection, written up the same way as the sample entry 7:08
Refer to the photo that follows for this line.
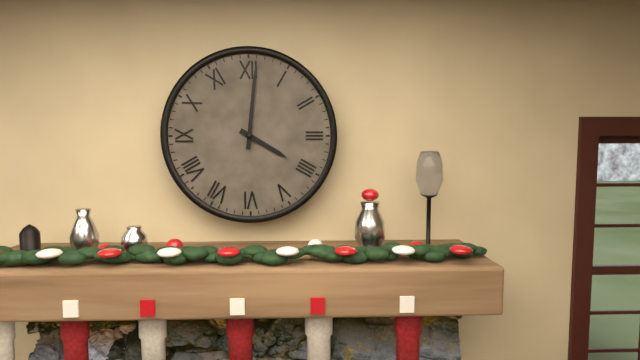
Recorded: 4:01
